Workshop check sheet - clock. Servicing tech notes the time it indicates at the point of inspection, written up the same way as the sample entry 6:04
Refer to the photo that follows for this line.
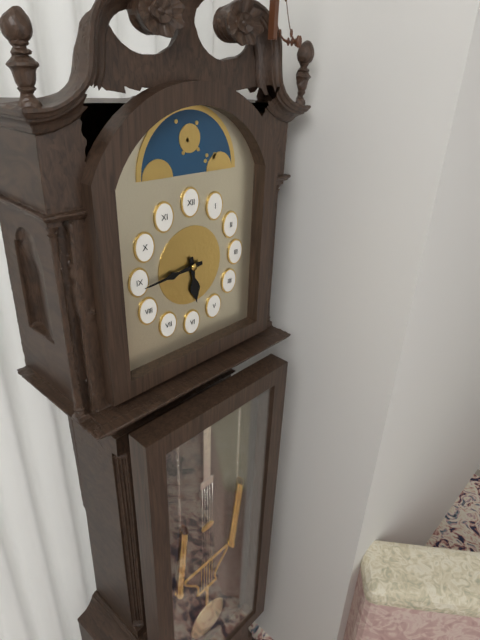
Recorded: 5:44
